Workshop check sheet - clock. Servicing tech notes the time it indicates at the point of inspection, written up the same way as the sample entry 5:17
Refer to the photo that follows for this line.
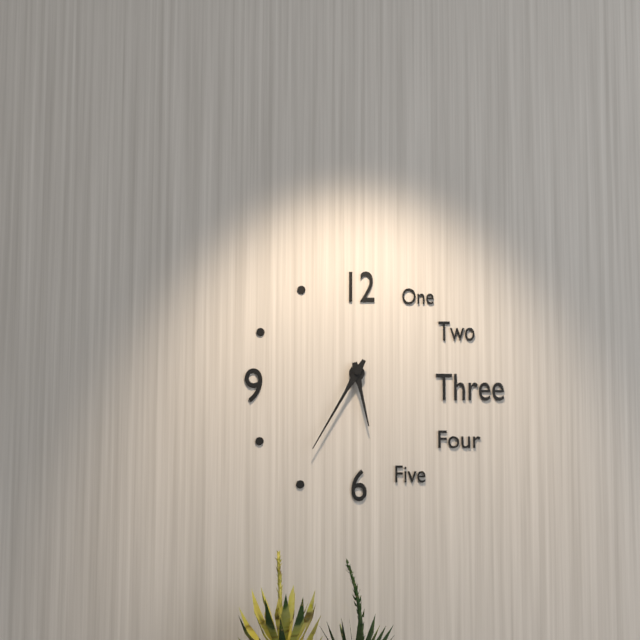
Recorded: 5:35
